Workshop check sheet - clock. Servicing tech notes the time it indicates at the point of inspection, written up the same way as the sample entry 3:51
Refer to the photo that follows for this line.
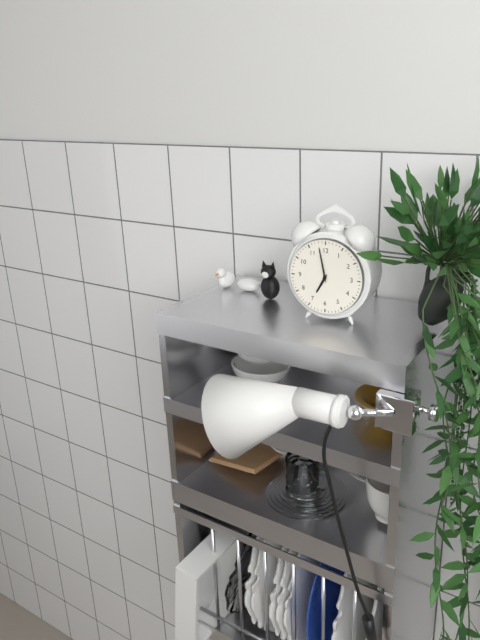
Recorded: 6:58
